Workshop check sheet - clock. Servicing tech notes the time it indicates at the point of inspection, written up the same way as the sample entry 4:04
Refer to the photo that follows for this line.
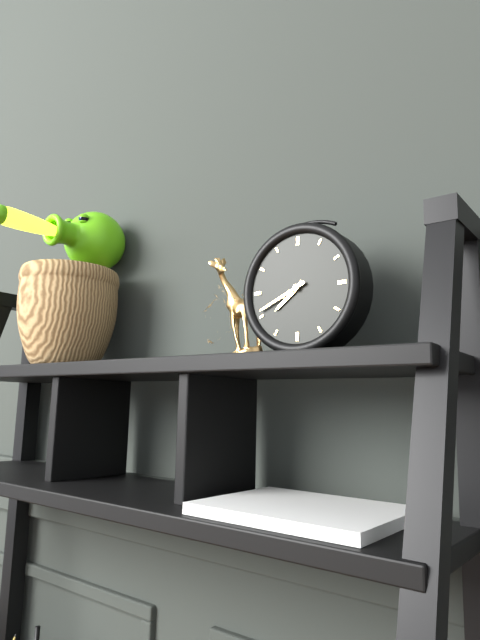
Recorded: 7:41
